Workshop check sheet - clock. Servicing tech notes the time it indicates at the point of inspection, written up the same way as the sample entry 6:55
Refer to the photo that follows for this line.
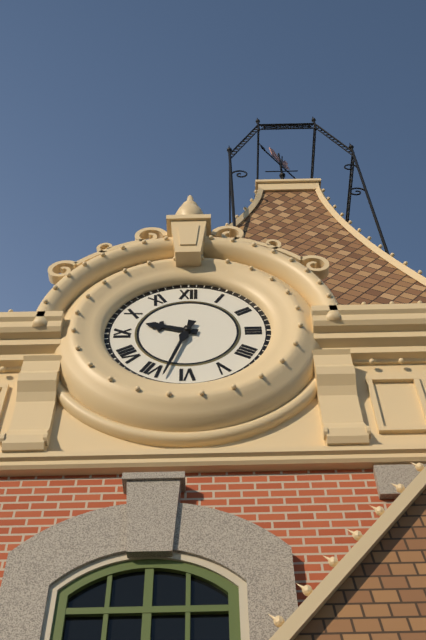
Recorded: 9:33
